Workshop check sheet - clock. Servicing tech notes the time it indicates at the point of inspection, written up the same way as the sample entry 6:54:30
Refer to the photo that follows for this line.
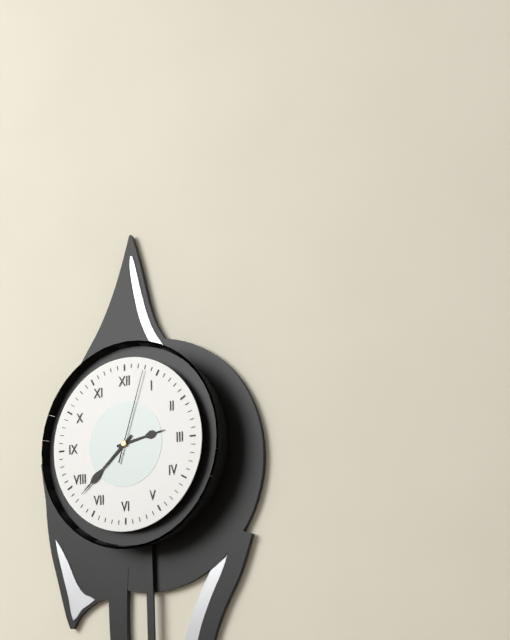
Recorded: 2:38:03
